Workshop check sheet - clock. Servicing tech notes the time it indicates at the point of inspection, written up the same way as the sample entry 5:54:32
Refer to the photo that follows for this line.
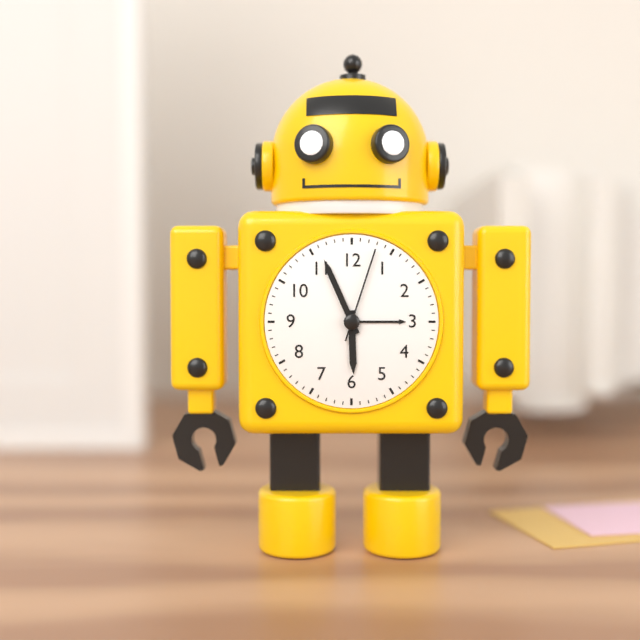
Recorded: 5:56:03
